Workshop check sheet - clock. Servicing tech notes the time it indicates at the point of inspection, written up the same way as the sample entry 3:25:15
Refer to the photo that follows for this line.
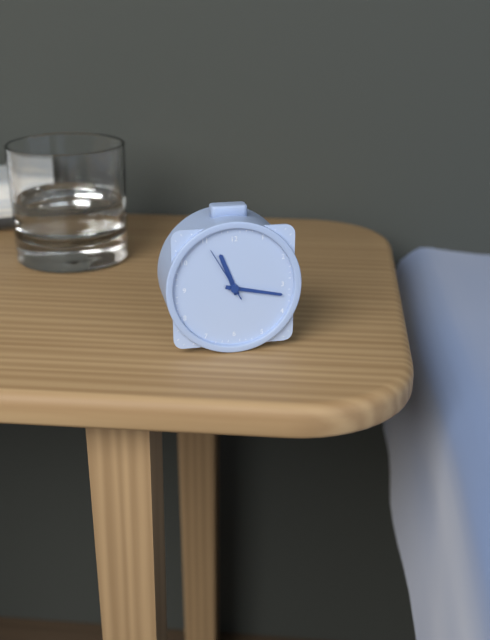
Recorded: 11:17:55
